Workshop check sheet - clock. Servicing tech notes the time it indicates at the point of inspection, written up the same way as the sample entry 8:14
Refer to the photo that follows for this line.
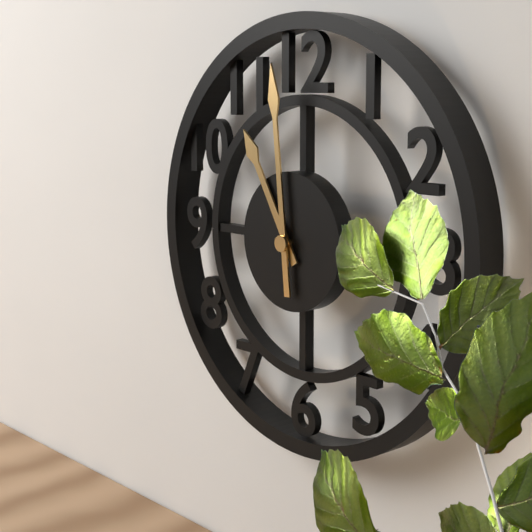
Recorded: 10:59
